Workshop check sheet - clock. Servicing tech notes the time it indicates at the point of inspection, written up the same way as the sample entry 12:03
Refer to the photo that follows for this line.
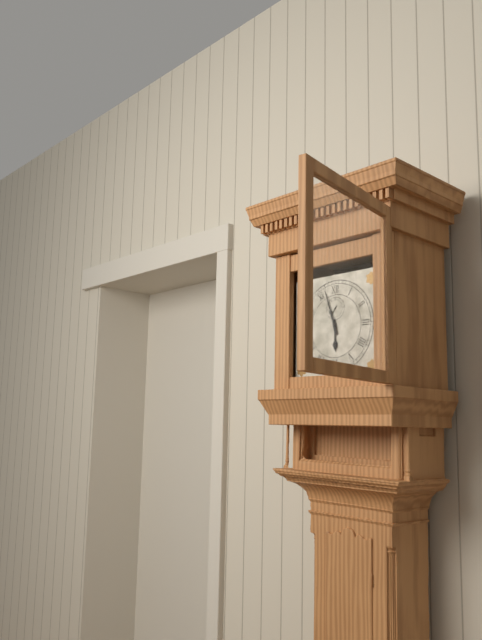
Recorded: 5:57
